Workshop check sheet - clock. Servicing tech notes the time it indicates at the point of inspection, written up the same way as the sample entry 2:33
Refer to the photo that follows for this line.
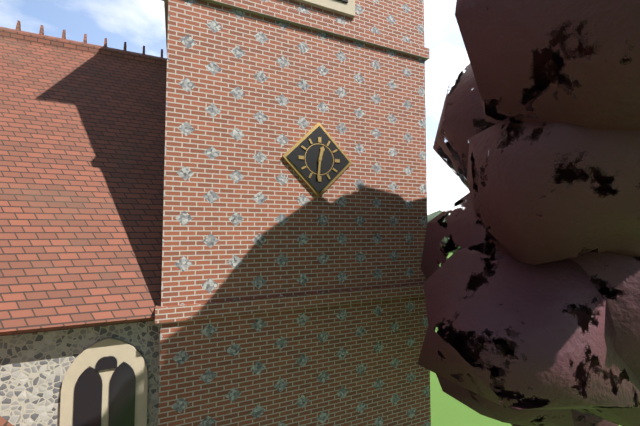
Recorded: 12:31
